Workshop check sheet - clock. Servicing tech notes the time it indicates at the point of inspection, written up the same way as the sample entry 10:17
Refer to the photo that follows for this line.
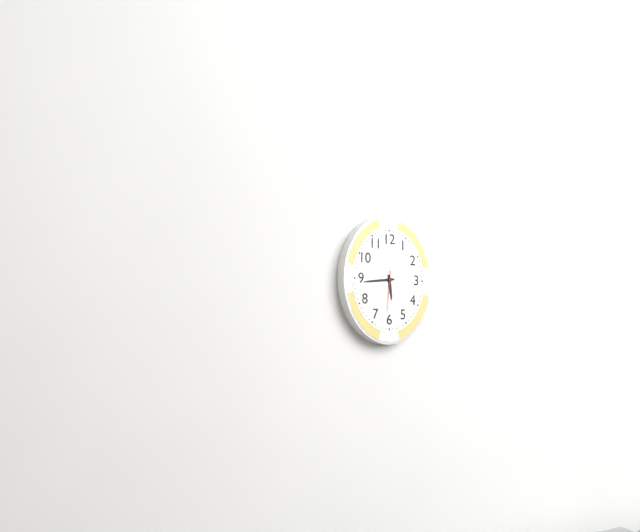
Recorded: 5:44
